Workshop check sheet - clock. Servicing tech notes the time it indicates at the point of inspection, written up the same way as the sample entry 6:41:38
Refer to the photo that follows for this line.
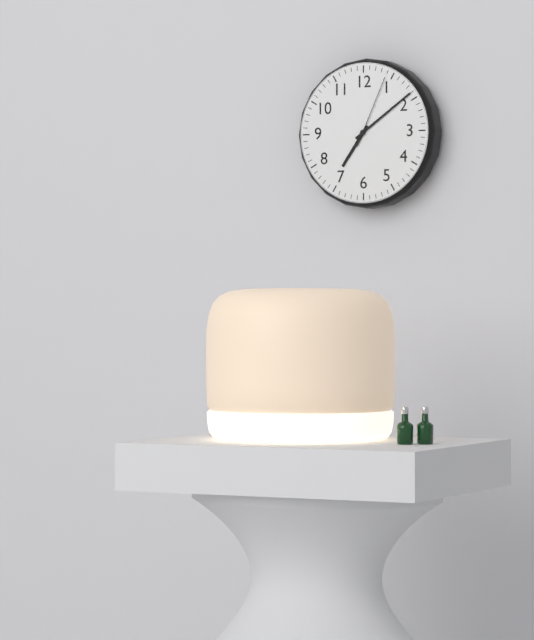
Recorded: 7:09:04
